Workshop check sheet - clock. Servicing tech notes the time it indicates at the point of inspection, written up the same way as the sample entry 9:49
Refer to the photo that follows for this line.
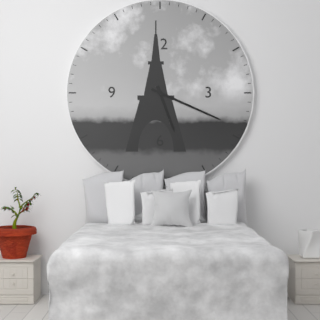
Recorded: 5:19
